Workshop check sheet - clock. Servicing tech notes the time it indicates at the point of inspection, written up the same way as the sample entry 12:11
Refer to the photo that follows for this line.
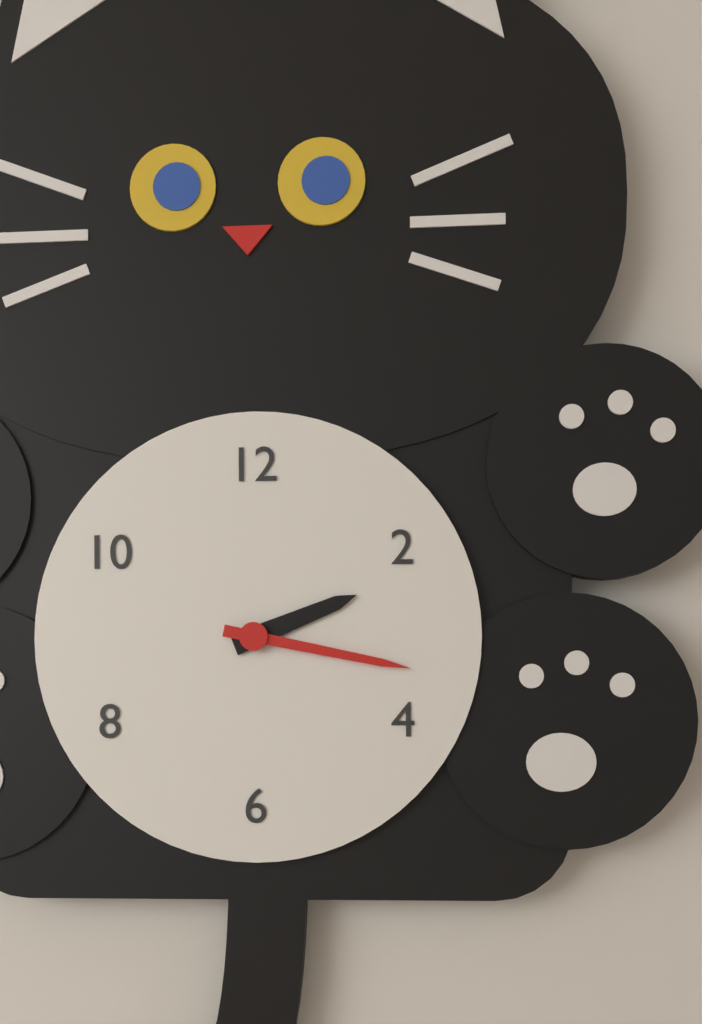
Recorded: 2:17
